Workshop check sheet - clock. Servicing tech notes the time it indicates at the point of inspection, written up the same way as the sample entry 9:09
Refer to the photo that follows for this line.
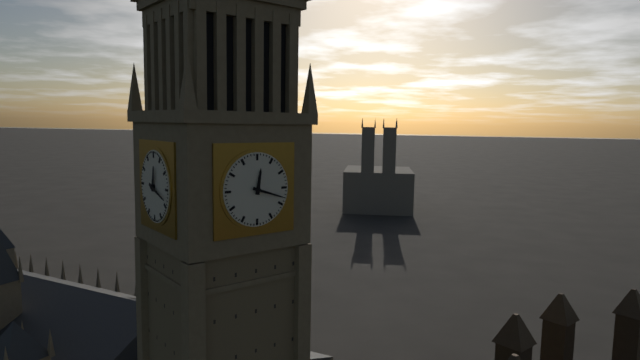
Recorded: 12:18
